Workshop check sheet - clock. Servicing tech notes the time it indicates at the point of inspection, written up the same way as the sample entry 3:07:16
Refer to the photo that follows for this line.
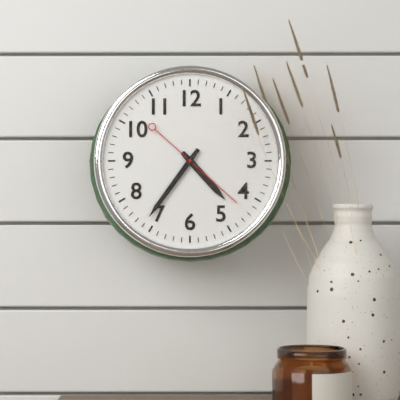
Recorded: 4:36:22
